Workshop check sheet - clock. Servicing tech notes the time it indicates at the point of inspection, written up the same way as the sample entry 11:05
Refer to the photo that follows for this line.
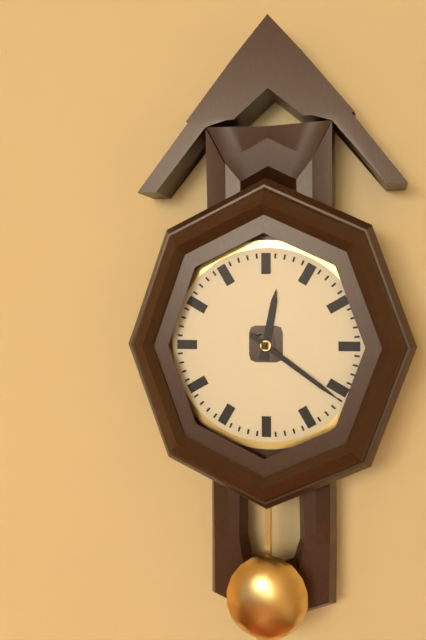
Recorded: 12:21
